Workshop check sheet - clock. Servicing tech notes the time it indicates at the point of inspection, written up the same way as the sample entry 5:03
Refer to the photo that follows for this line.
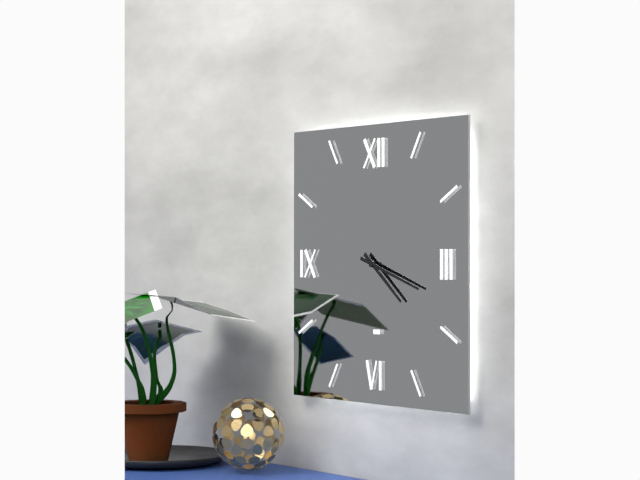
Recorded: 4:18
